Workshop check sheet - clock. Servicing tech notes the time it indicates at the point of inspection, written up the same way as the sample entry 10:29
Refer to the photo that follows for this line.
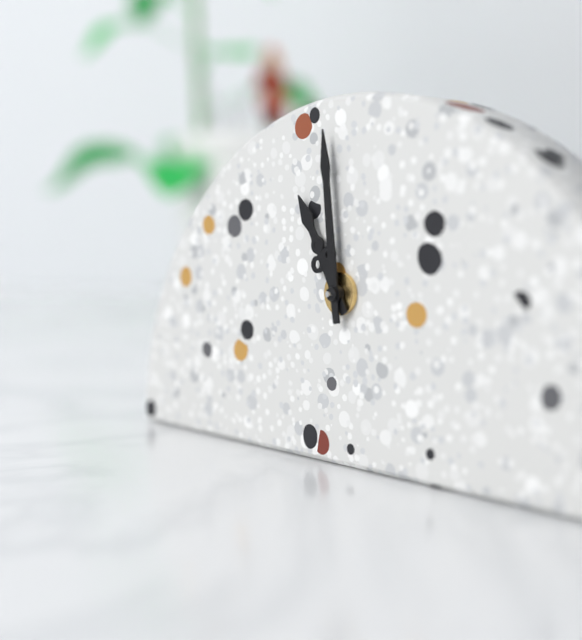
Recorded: 10:59
